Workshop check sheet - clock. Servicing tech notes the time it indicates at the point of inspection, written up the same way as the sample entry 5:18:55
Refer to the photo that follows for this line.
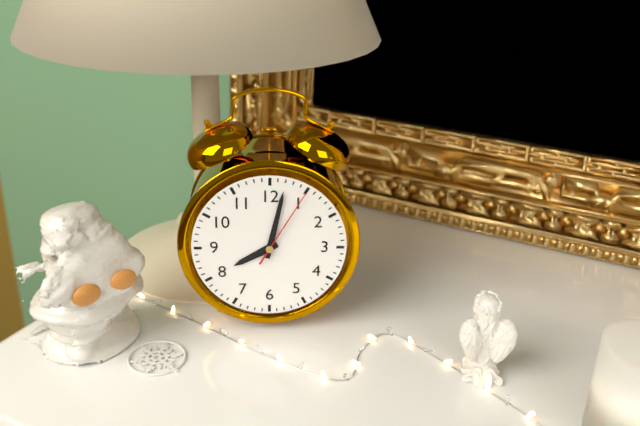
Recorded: 8:02:05
